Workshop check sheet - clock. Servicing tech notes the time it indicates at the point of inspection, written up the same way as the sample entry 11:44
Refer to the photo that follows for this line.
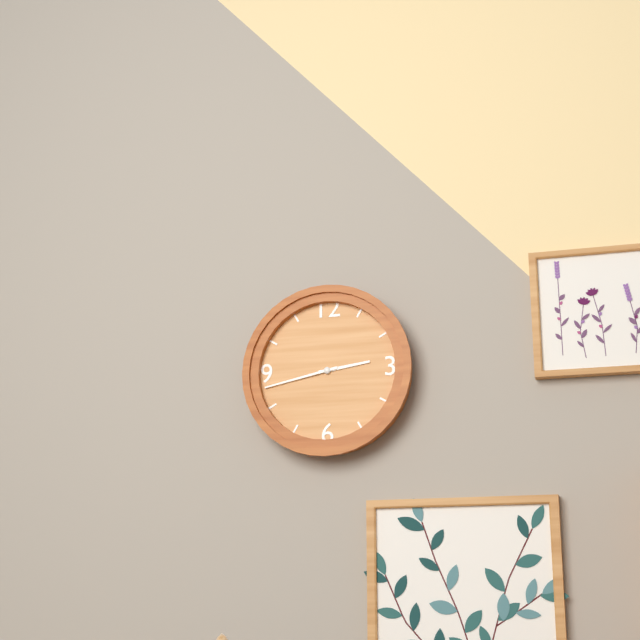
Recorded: 2:43
